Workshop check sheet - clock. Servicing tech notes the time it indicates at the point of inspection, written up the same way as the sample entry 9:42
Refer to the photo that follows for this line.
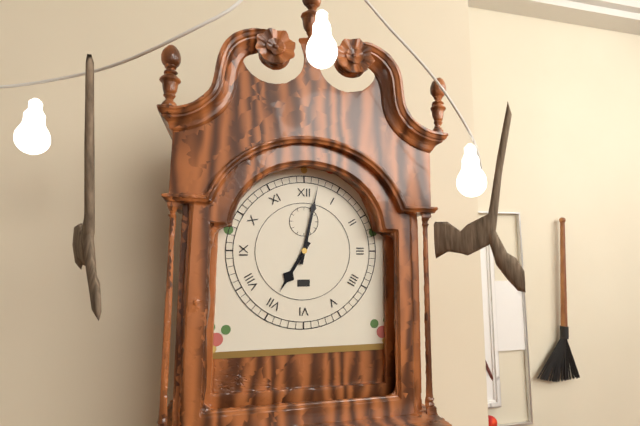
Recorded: 7:02
